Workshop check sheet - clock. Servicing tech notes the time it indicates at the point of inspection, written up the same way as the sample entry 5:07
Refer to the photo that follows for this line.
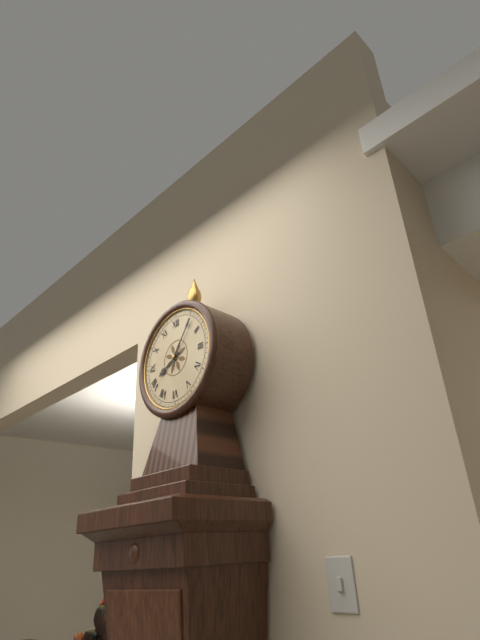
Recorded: 8:06
